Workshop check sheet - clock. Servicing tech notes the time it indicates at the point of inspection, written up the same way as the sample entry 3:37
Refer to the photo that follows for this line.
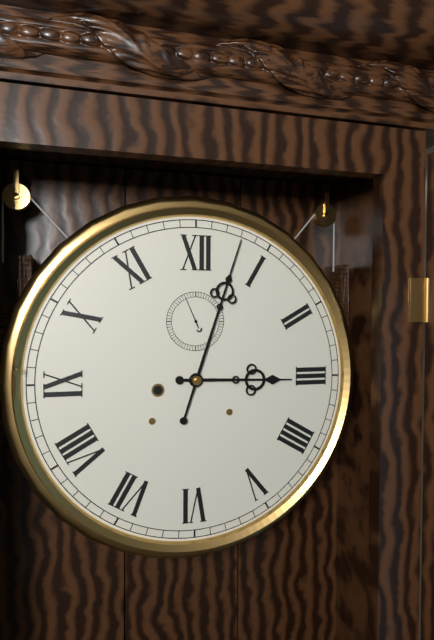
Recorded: 3:03
